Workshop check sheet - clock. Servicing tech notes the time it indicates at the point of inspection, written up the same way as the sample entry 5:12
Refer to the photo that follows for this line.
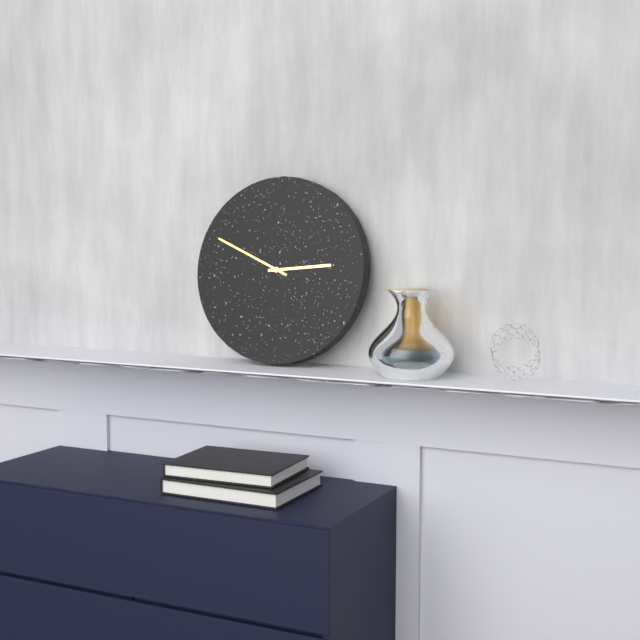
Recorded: 2:49
